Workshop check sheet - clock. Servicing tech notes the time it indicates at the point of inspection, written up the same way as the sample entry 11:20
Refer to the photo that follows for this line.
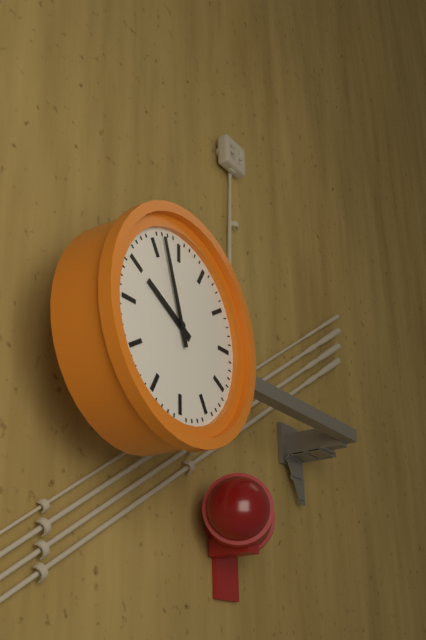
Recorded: 9:57
